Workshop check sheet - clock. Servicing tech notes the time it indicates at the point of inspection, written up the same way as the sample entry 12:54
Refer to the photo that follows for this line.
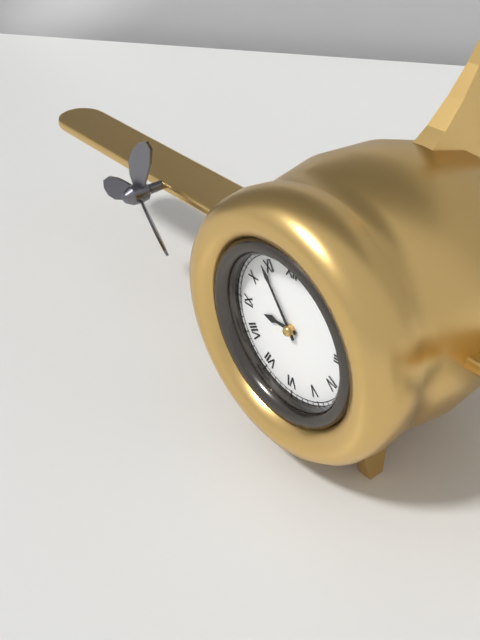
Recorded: 8:54
